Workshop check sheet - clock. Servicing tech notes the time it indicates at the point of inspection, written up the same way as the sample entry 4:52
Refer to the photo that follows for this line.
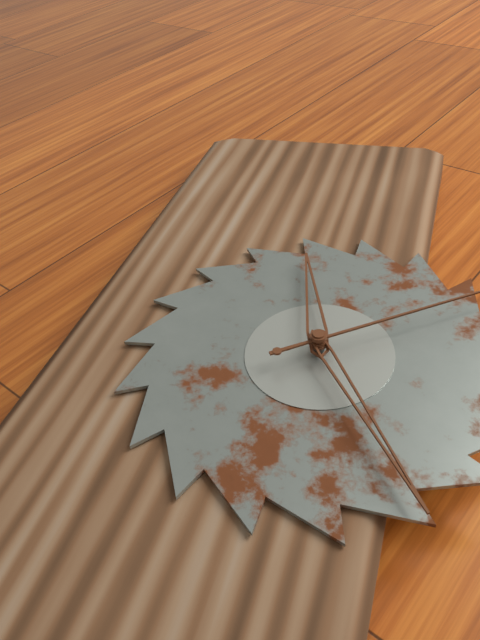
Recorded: 11:24
